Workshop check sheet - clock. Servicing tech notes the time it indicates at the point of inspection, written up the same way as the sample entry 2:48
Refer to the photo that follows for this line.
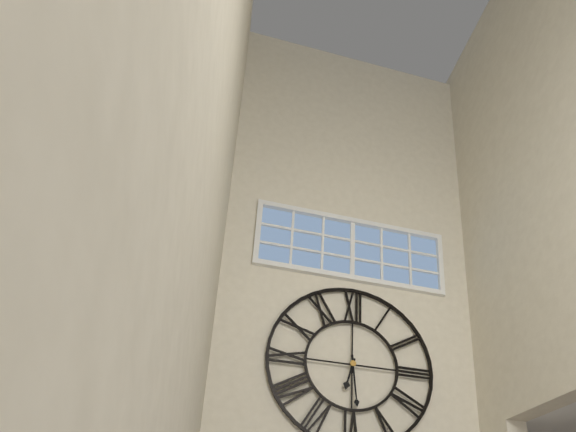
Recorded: 6:29
